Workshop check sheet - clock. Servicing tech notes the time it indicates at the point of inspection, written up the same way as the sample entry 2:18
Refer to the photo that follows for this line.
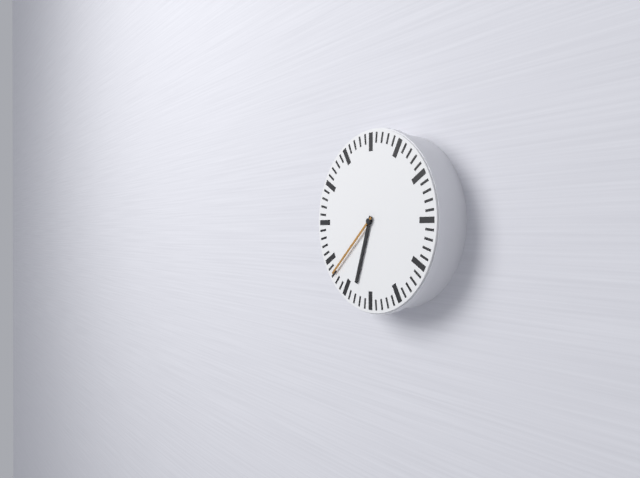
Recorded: 6:38
